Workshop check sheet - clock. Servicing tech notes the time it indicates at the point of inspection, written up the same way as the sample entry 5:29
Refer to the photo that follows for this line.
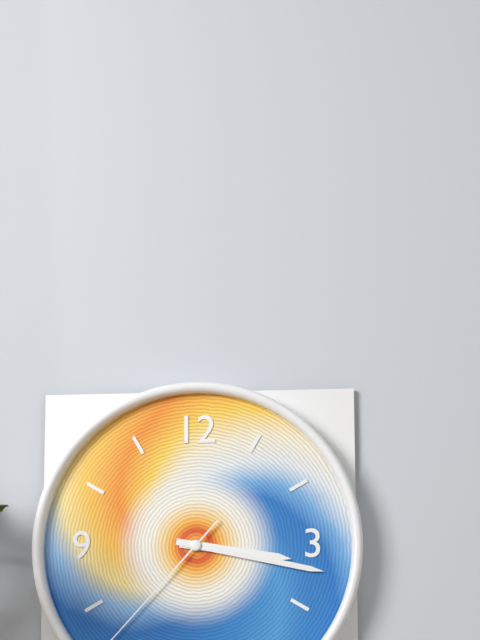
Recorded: 3:17
